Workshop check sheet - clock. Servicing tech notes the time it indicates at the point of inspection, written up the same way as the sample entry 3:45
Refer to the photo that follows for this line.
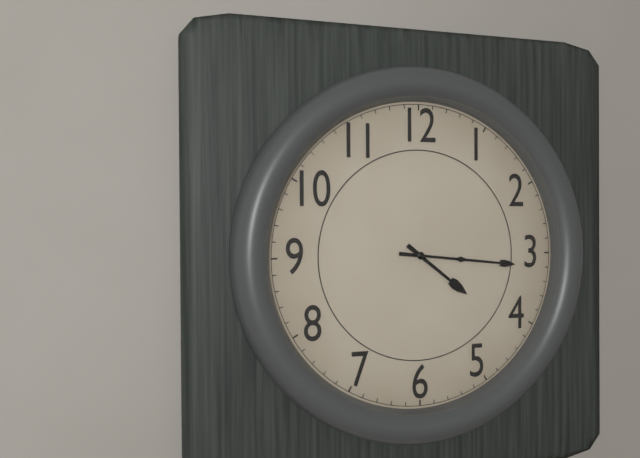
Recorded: 4:16
